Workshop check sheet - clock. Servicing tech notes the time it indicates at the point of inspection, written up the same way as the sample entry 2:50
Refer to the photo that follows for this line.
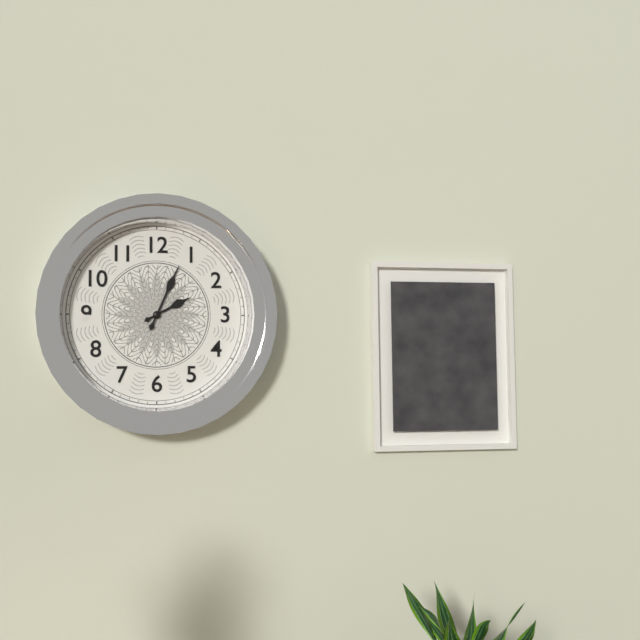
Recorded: 2:04
